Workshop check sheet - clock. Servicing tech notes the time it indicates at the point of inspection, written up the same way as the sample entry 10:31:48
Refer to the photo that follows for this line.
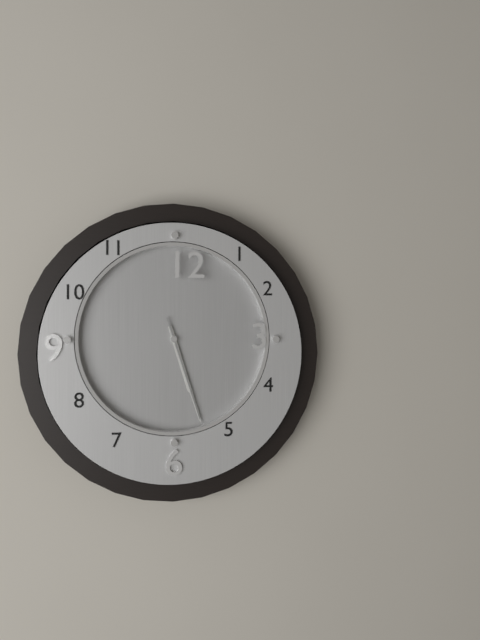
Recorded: 5:27:27
